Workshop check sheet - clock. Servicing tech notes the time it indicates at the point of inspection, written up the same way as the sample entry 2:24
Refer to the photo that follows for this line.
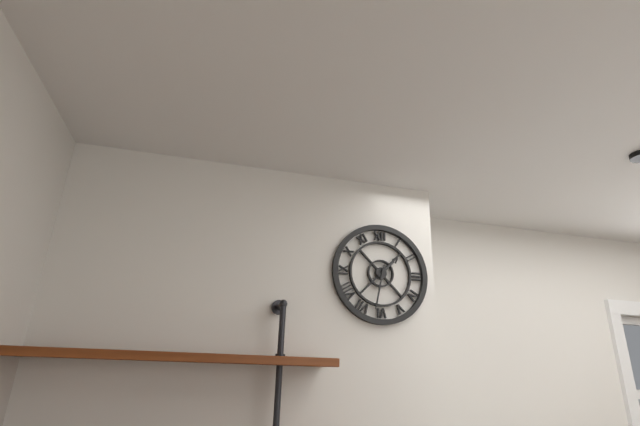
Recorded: 1:32
